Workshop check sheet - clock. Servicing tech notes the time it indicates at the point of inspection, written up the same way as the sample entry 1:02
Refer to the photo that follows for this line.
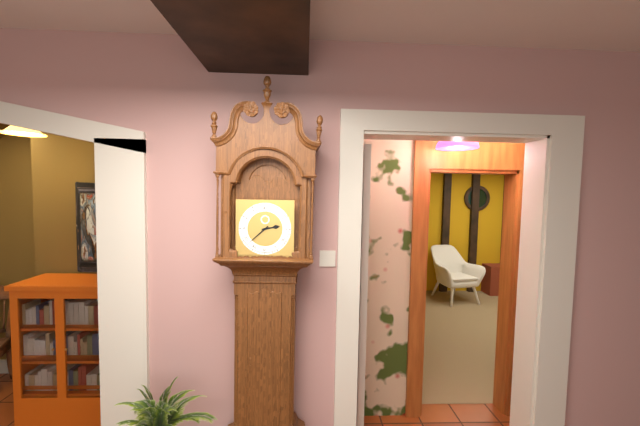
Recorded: 2:38
